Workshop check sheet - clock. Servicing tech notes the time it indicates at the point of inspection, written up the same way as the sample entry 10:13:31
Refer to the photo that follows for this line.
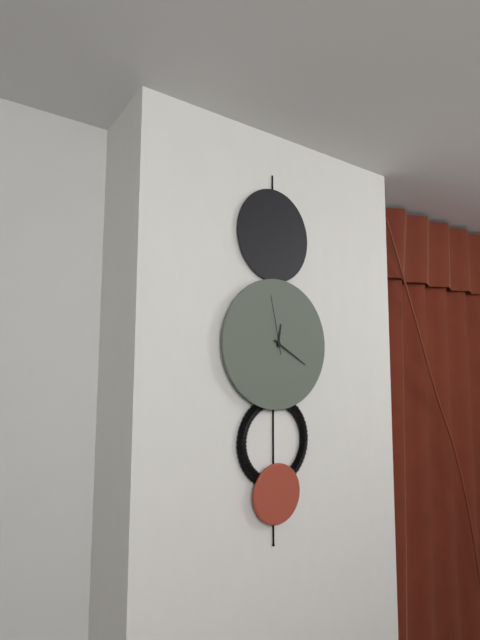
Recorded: 12:20:58
